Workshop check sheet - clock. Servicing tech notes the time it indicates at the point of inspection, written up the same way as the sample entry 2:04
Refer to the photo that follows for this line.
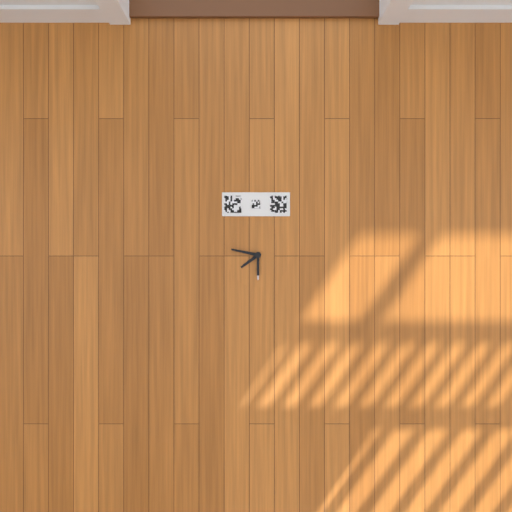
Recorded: 7:47
